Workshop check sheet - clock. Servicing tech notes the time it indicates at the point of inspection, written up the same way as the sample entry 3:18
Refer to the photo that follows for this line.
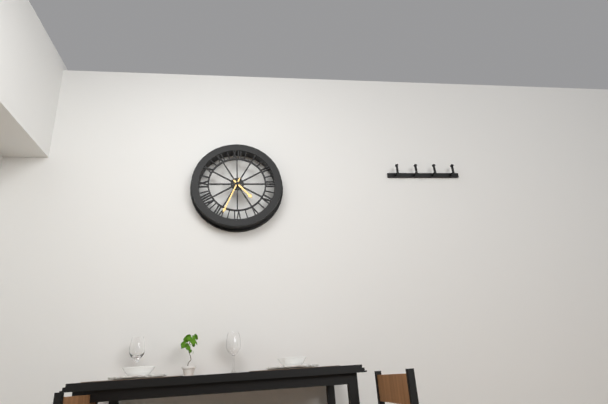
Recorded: 4:34
